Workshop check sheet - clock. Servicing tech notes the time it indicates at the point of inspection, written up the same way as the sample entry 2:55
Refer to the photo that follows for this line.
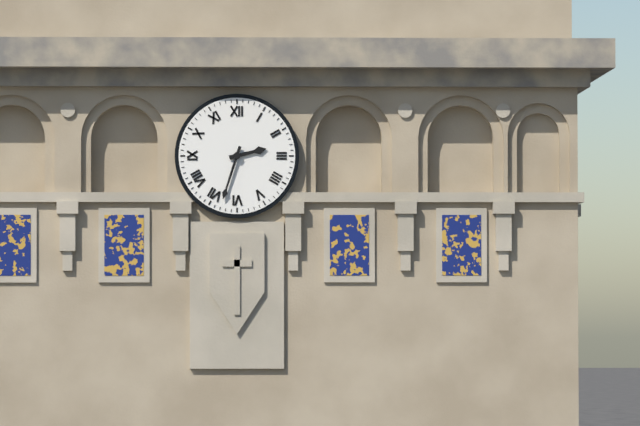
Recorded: 2:33
